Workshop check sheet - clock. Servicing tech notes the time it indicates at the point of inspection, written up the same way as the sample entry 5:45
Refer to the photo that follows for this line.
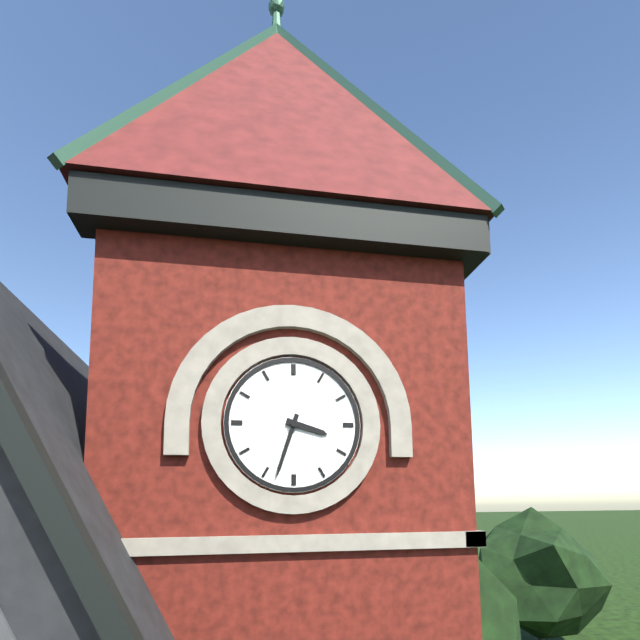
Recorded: 3:33
